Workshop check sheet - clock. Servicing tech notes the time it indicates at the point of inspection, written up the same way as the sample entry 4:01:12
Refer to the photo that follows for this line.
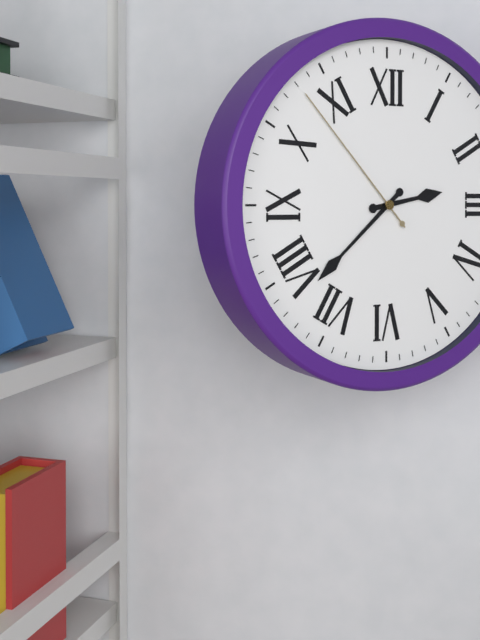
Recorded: 2:38:53
